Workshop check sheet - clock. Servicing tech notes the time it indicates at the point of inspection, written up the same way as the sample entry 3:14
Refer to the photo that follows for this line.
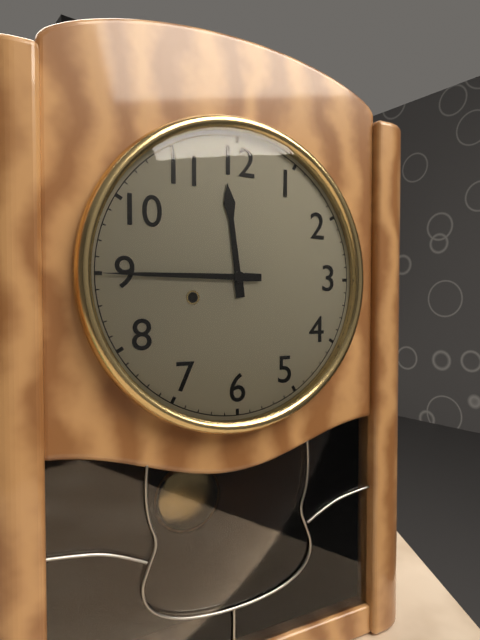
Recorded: 11:45
